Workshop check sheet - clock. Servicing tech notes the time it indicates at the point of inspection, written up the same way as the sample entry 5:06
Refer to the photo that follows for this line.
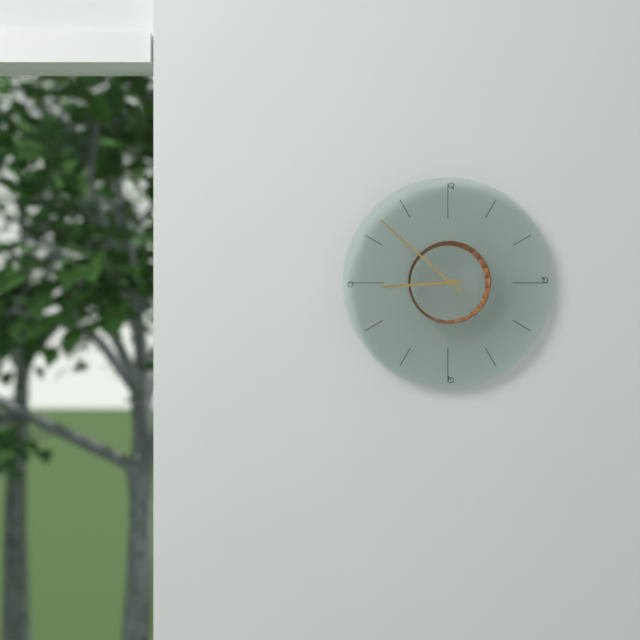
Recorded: 8:52
